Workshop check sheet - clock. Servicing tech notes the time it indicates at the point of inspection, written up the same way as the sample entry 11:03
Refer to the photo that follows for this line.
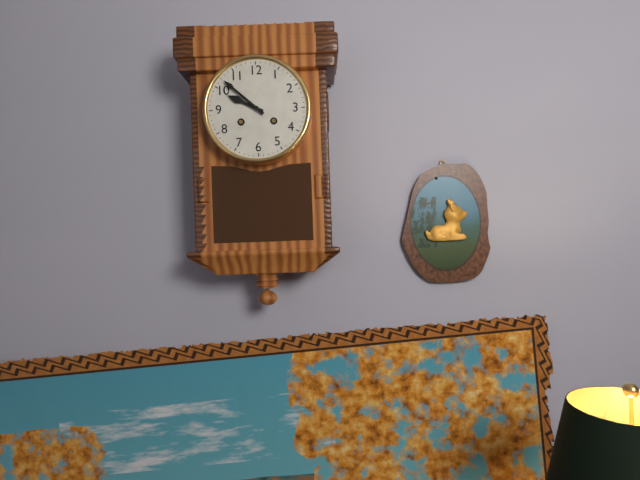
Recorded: 9:52
